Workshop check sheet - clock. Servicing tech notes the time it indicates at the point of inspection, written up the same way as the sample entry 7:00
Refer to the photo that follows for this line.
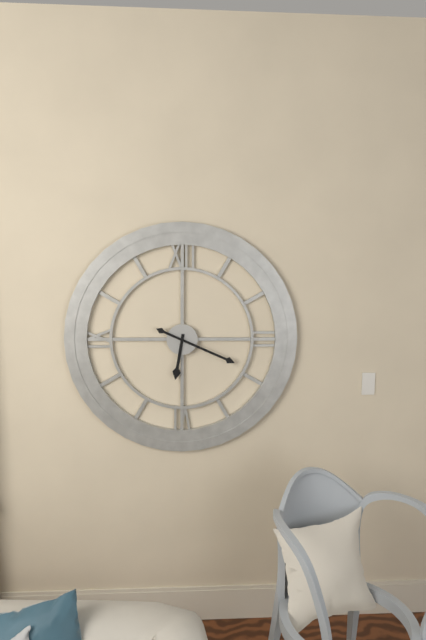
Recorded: 6:19
